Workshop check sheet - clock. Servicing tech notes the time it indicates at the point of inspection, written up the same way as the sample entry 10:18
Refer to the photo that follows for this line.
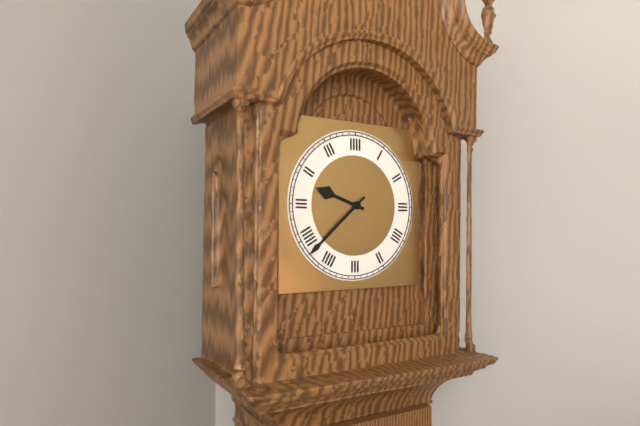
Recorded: 9:38
